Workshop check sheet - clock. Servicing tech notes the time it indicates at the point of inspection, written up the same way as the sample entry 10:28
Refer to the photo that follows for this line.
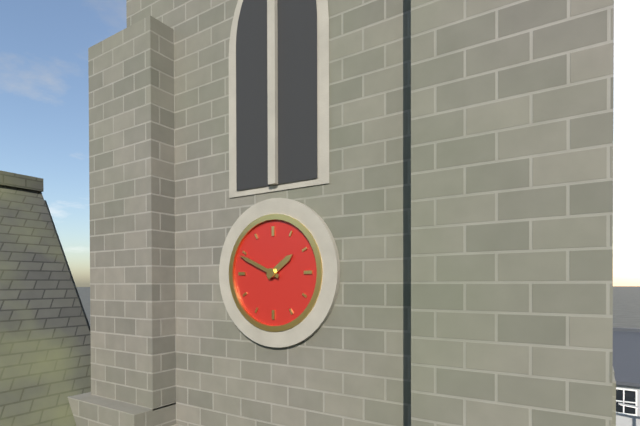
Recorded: 1:49
